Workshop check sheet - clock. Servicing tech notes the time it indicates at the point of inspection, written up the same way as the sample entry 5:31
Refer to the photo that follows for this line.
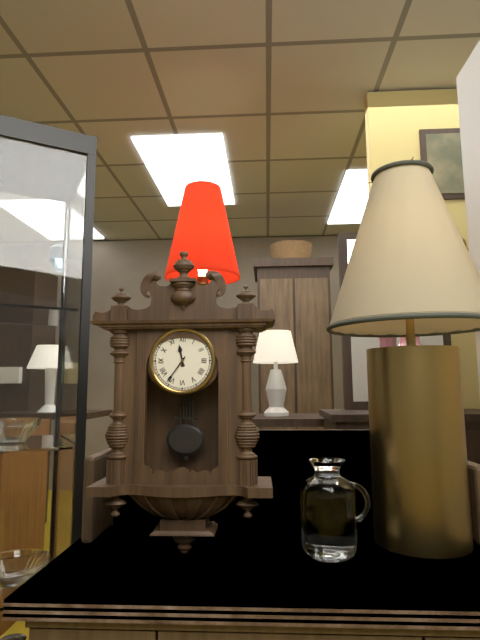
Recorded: 11:36
